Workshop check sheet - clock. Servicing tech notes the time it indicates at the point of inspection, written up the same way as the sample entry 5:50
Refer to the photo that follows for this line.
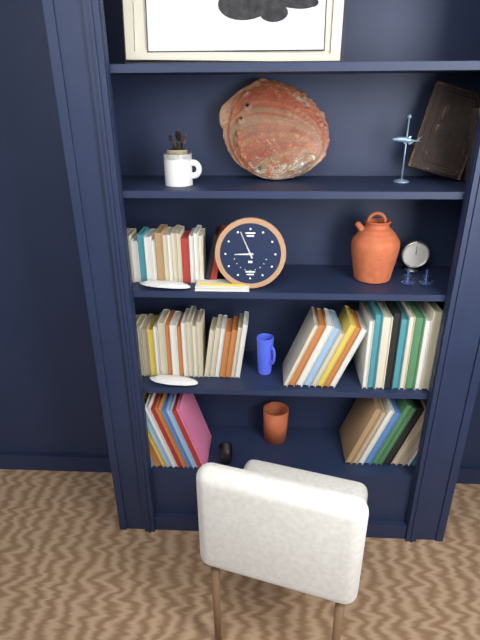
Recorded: 8:56
